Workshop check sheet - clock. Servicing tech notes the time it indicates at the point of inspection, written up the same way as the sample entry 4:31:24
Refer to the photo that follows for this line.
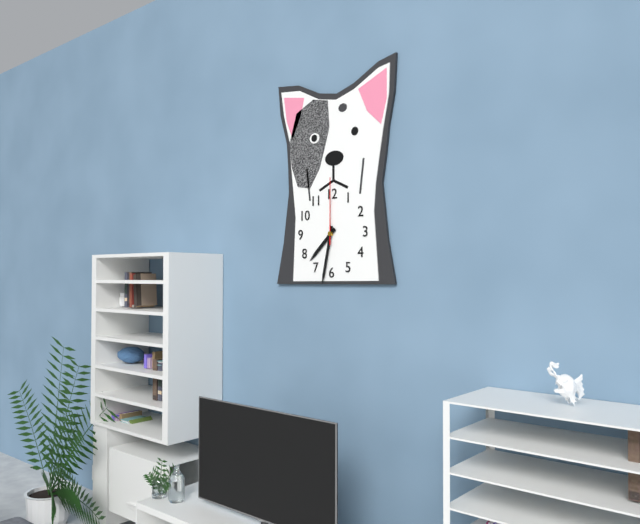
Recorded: 7:32:00
